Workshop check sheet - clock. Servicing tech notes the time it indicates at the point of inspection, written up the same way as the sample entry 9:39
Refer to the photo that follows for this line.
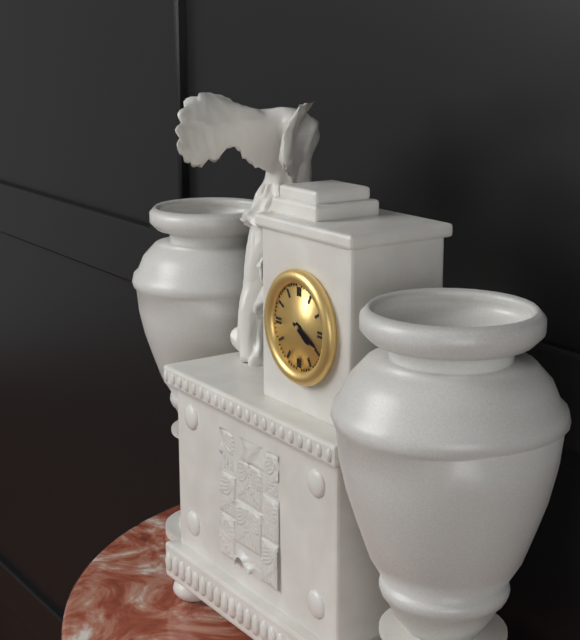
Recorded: 4:19
